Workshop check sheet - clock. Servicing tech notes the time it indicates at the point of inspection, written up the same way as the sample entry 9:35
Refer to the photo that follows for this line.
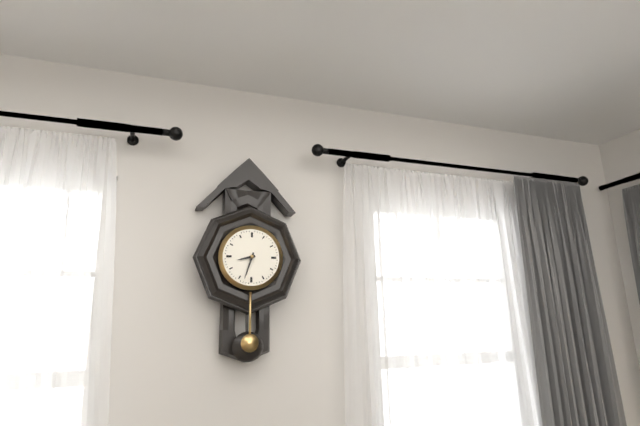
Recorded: 8:33
